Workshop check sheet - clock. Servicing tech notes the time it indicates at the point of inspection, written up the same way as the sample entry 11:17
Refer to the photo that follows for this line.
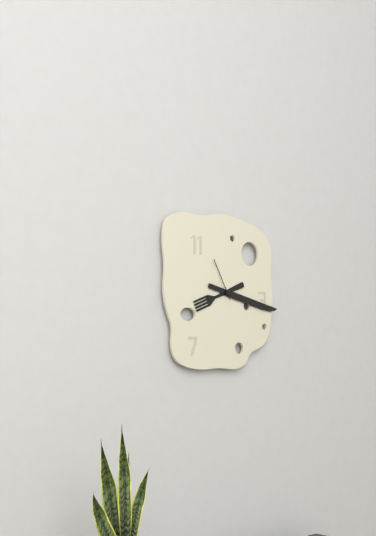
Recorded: 8:17
